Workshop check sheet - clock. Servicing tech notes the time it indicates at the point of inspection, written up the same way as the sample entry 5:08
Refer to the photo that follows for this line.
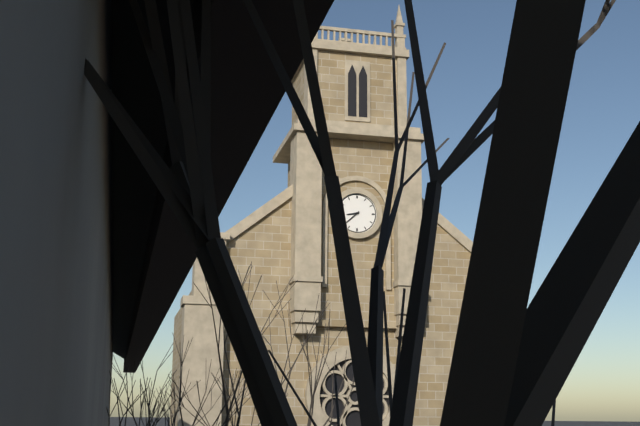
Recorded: 8:38
